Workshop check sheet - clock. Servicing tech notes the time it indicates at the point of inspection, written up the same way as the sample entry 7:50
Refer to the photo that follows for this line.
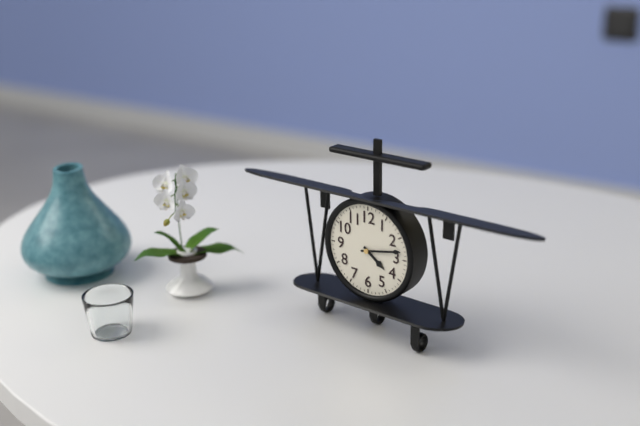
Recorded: 4:13
